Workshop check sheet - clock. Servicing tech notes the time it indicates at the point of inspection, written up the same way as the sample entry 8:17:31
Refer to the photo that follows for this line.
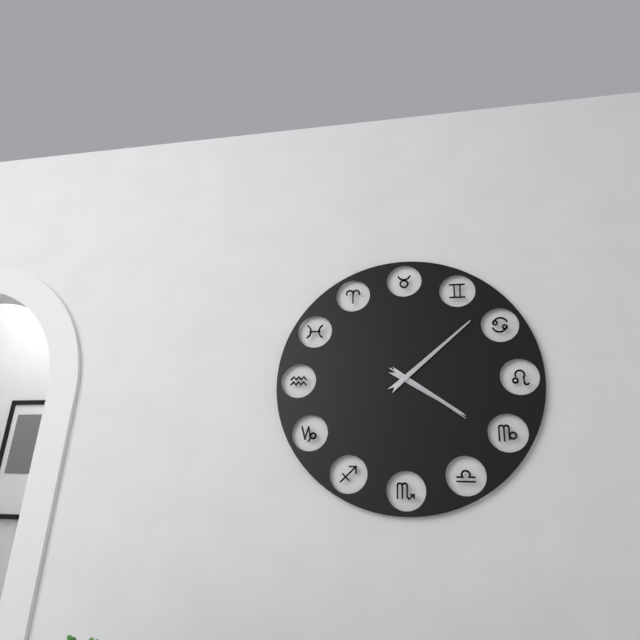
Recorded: 4:08:21
